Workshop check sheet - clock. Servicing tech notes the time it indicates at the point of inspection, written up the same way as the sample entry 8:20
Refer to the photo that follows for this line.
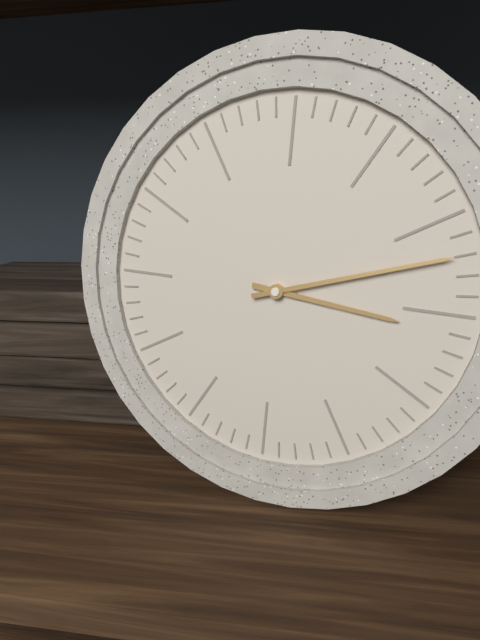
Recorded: 3:12
